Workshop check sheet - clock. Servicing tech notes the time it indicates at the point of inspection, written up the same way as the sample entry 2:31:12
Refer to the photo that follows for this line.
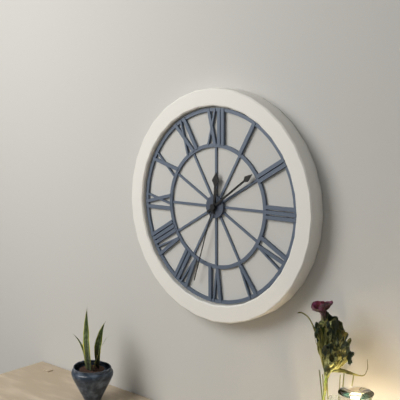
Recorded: 12:09:33
